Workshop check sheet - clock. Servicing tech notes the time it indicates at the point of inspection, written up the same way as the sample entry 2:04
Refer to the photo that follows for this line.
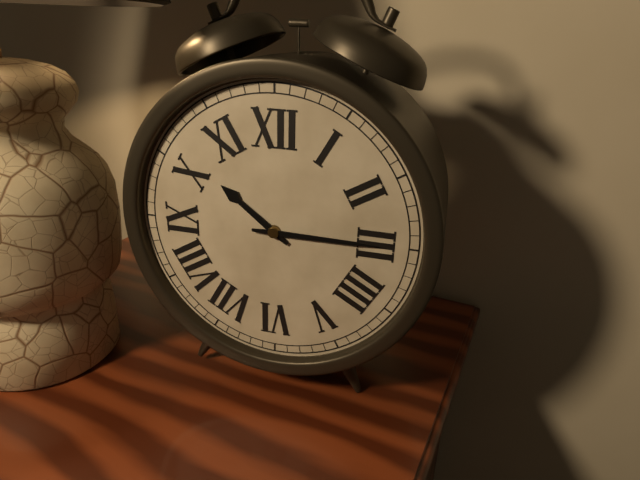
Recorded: 10:15
